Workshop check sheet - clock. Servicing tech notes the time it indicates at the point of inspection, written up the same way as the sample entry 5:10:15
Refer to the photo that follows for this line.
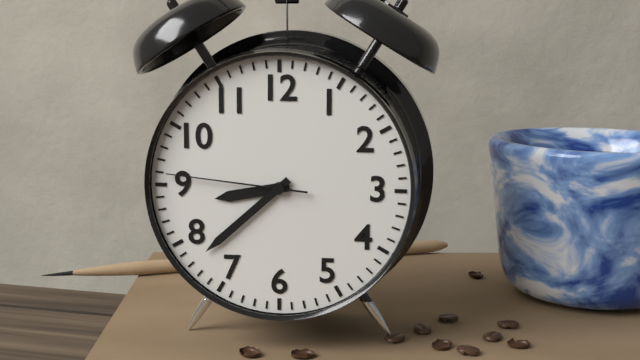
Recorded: 8:38:46
